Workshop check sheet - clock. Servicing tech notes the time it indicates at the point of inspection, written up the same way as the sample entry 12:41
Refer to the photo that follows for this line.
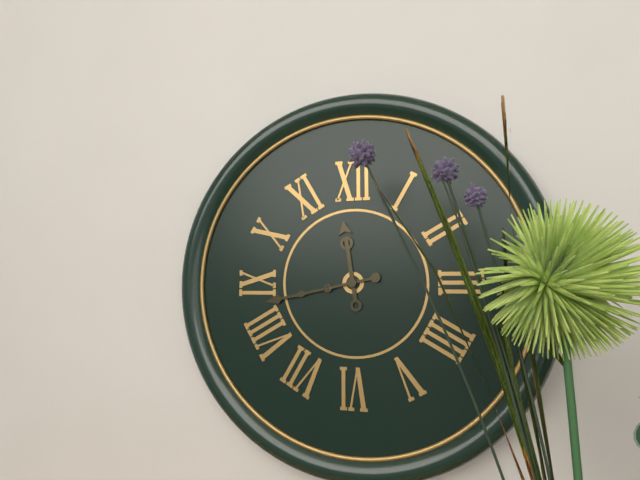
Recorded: 11:43
